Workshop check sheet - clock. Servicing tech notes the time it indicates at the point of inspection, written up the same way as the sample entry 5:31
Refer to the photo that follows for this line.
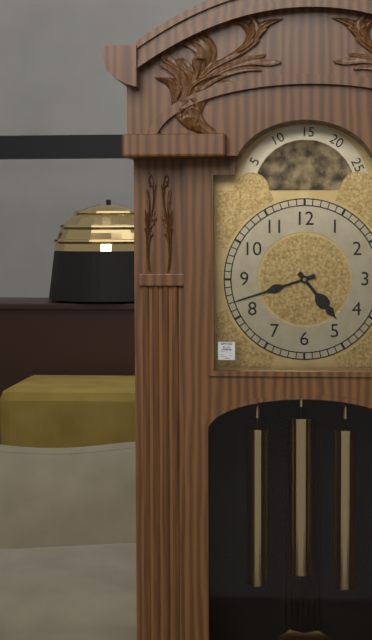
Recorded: 4:42
